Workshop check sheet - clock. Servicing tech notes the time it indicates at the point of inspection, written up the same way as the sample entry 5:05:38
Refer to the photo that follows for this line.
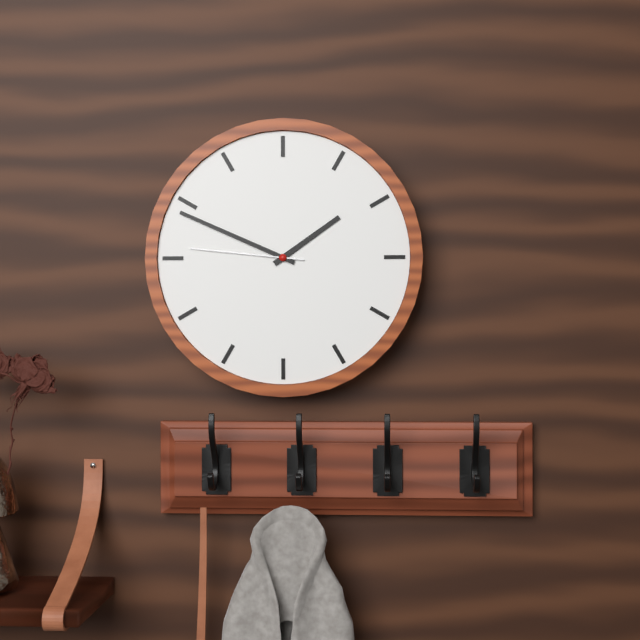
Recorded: 1:49:46
